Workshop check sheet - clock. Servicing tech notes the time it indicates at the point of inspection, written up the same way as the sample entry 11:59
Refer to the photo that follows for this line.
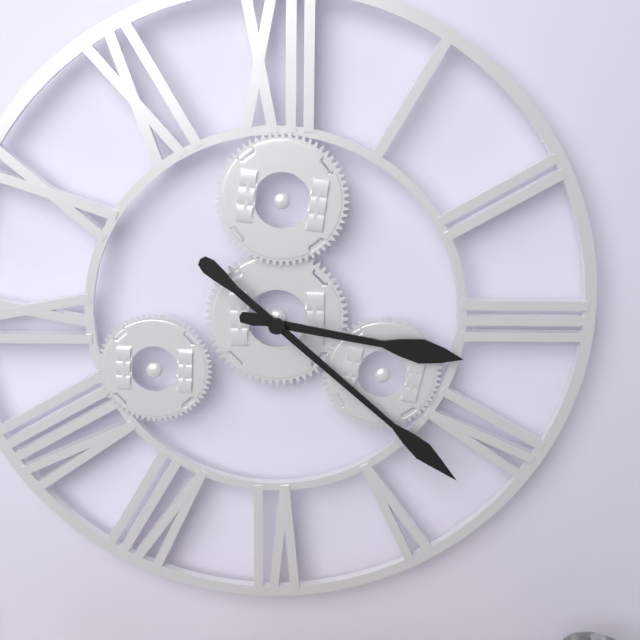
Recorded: 3:22
